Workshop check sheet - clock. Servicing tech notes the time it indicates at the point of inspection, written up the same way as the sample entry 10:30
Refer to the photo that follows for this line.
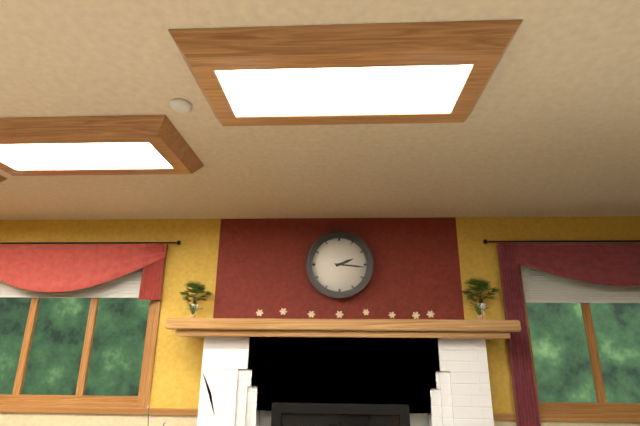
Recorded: 2:16
